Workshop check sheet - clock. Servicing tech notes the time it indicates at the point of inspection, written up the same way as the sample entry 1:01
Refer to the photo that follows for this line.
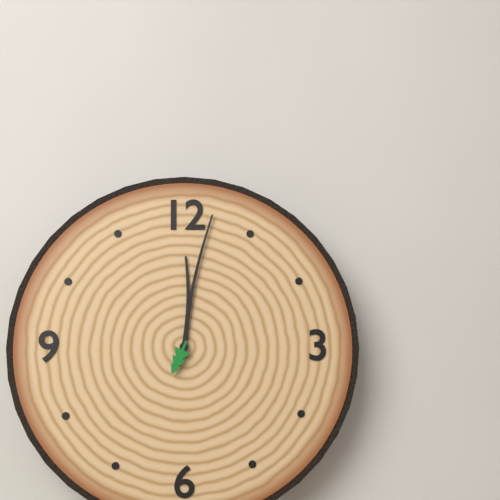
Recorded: 12:02
